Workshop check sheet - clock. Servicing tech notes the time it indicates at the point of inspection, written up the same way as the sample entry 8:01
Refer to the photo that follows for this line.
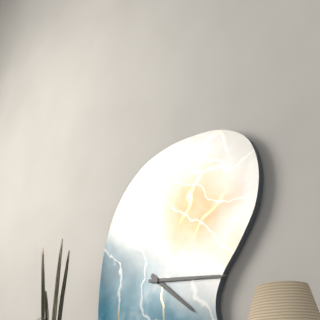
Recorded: 4:16
